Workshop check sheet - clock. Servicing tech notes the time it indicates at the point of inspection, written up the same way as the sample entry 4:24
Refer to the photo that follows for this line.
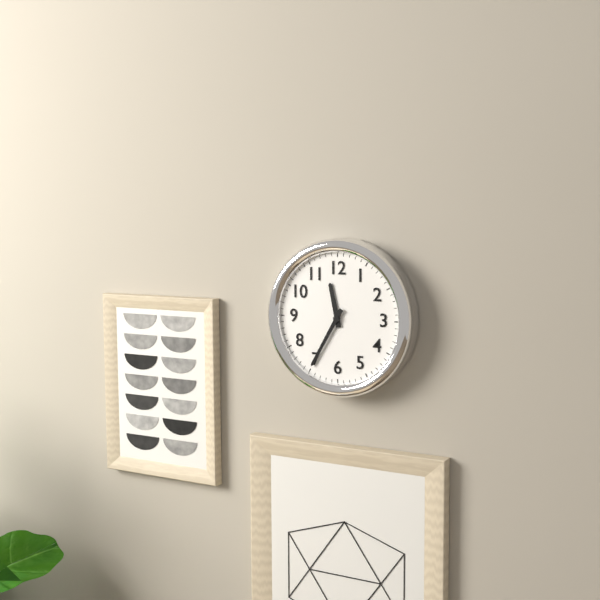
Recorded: 11:35
